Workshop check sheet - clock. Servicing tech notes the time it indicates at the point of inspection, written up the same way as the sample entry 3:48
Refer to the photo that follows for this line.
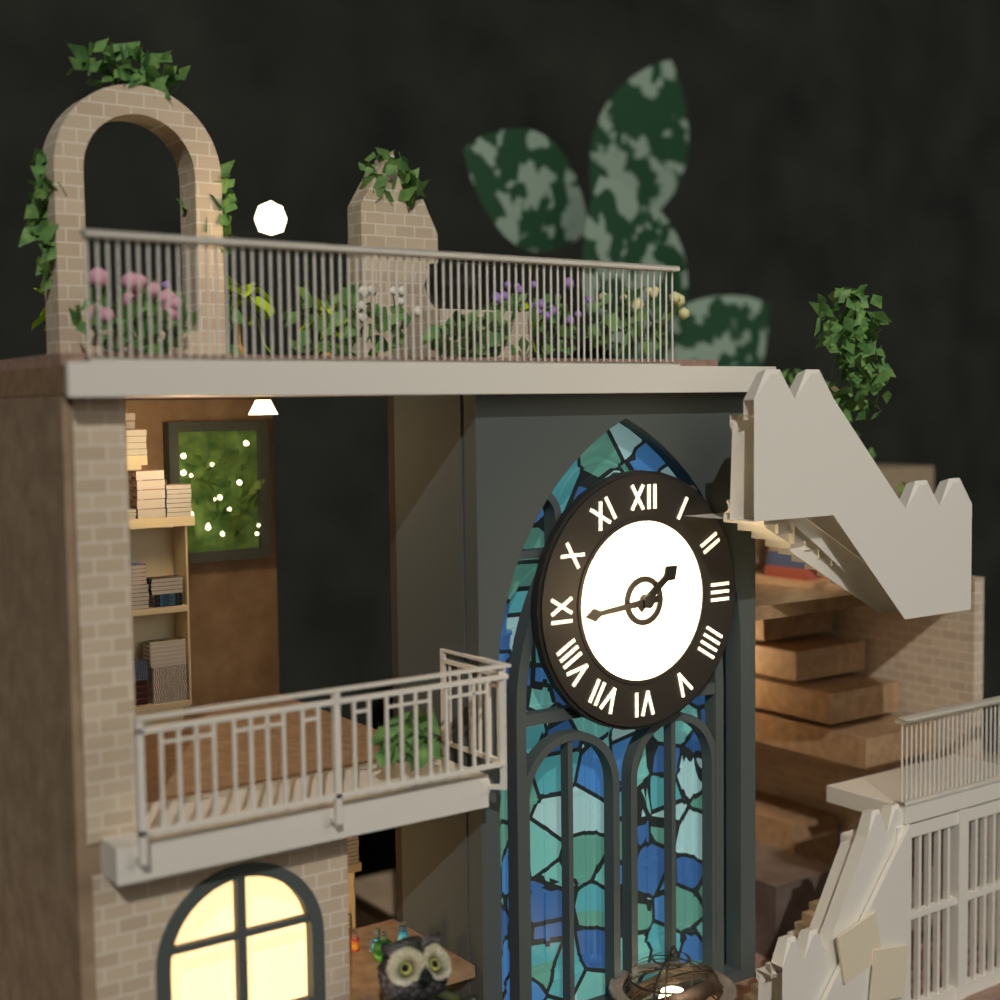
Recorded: 1:44
